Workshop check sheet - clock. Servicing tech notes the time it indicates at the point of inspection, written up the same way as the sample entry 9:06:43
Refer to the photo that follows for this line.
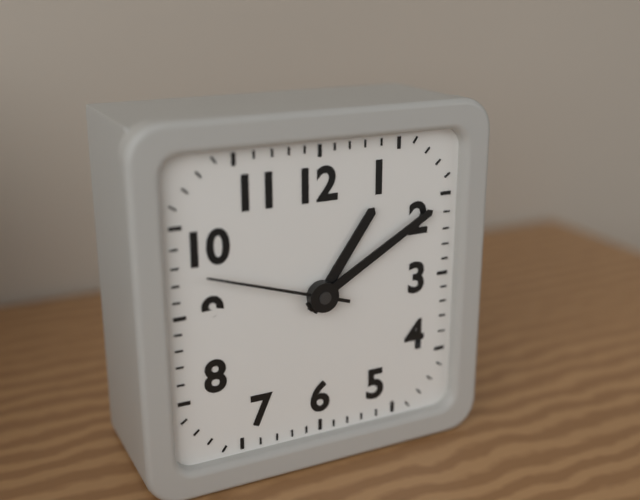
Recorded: 1:10:48
